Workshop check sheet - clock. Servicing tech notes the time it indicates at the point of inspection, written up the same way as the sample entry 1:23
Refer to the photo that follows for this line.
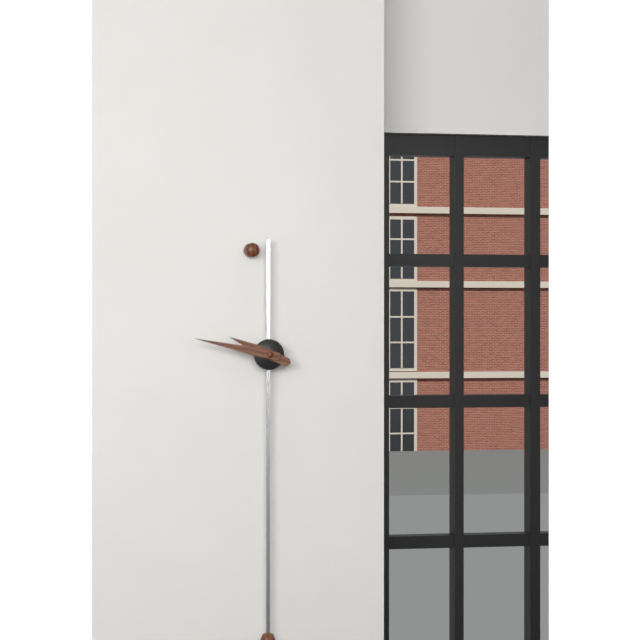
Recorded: 9:47
